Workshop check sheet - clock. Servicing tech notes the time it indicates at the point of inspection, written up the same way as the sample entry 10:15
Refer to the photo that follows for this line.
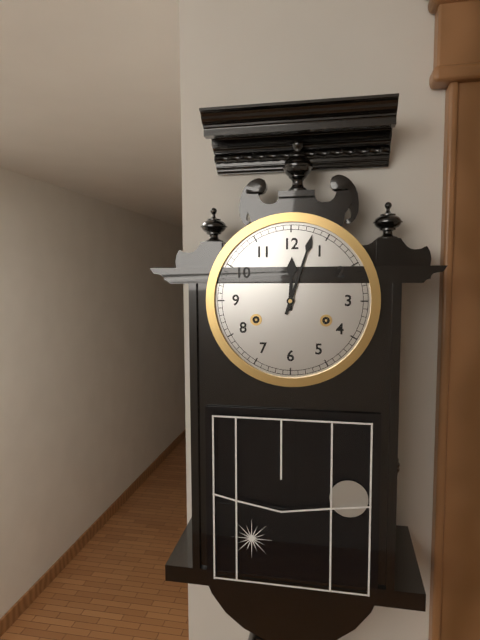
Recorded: 12:03
